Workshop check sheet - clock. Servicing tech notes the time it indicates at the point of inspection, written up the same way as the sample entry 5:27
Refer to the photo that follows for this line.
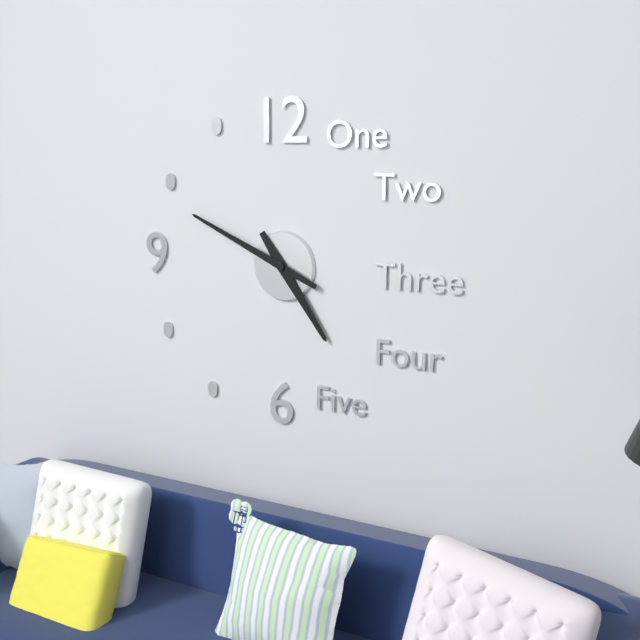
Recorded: 4:49
